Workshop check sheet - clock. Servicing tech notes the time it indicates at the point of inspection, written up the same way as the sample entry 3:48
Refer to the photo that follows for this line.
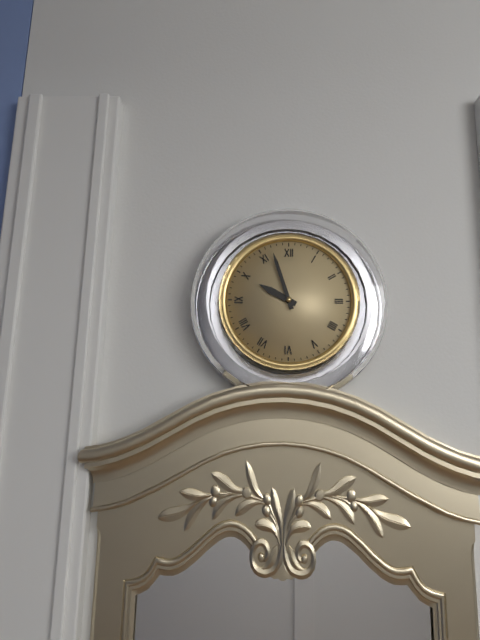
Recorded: 9:57
